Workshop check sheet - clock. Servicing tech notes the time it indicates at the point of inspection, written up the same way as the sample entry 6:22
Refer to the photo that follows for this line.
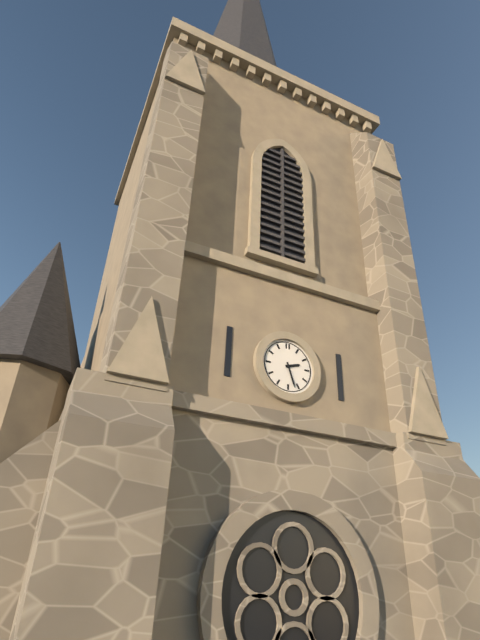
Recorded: 2:27
